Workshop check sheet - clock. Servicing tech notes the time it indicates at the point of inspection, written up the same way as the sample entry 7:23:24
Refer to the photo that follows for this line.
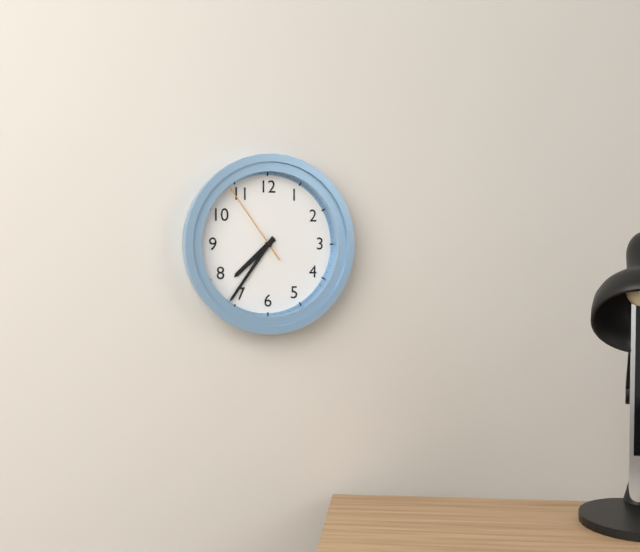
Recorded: 7:36:54
